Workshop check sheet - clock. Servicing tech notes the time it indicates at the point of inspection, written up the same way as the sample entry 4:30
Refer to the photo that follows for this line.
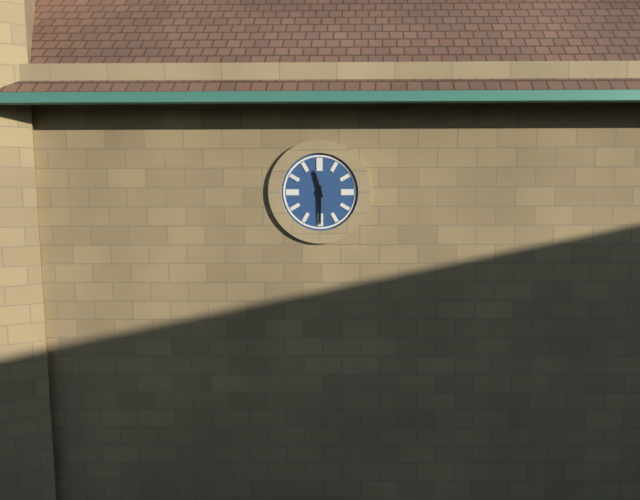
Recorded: 11:30
